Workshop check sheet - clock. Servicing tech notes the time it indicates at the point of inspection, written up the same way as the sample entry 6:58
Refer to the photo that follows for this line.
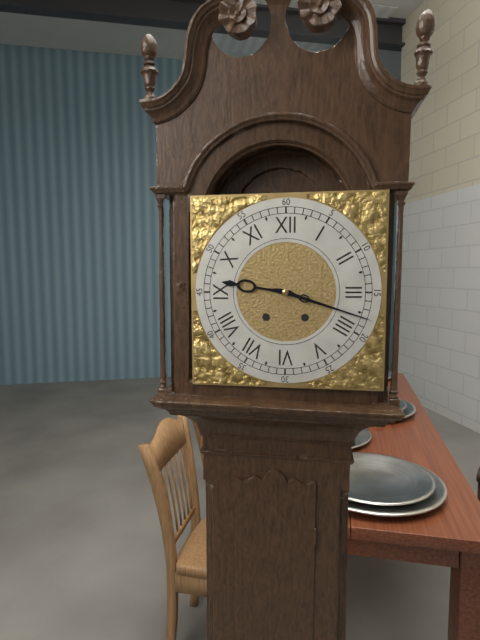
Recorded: 9:18
